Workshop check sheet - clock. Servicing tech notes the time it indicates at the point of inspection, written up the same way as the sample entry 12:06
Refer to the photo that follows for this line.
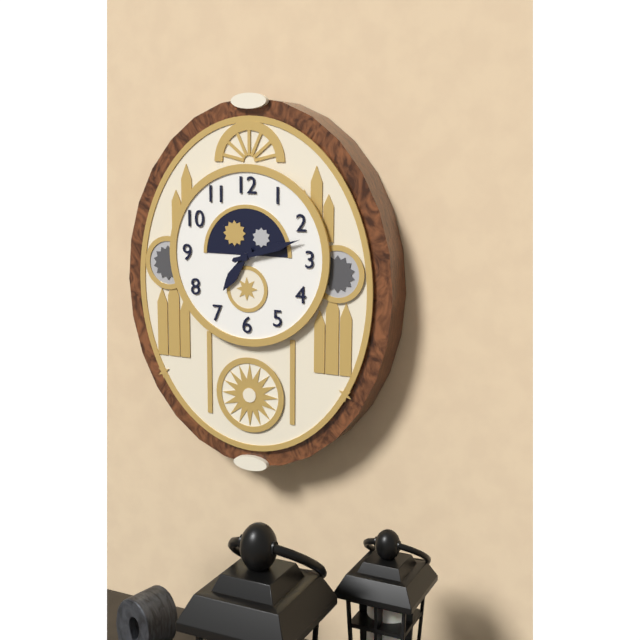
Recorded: 7:12
